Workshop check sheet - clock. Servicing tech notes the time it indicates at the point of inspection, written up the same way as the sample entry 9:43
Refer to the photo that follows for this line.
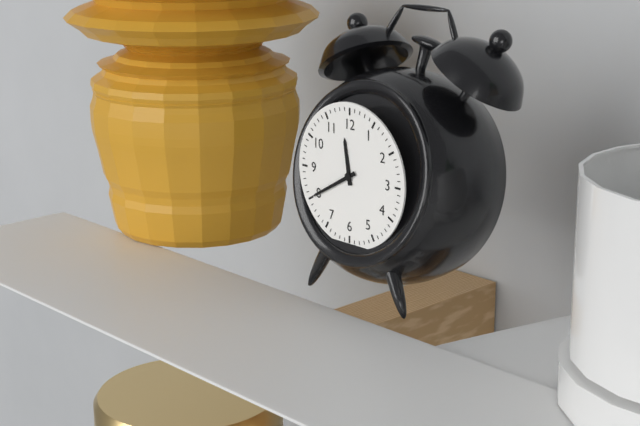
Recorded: 11:40
